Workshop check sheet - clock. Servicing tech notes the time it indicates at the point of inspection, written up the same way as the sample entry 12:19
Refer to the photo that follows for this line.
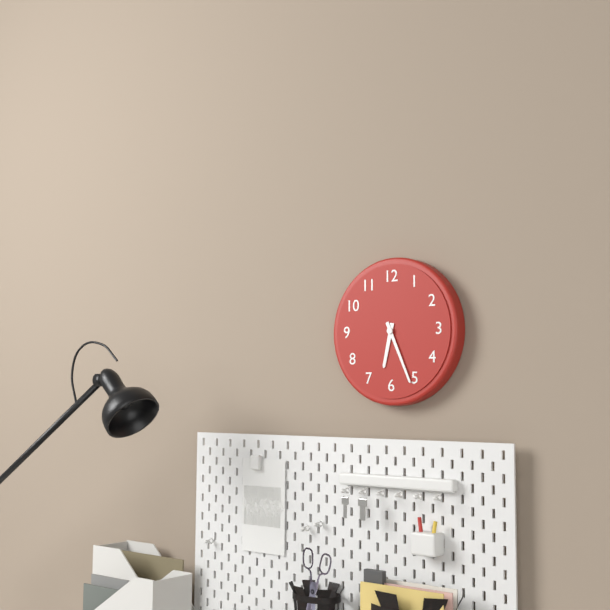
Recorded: 6:26
